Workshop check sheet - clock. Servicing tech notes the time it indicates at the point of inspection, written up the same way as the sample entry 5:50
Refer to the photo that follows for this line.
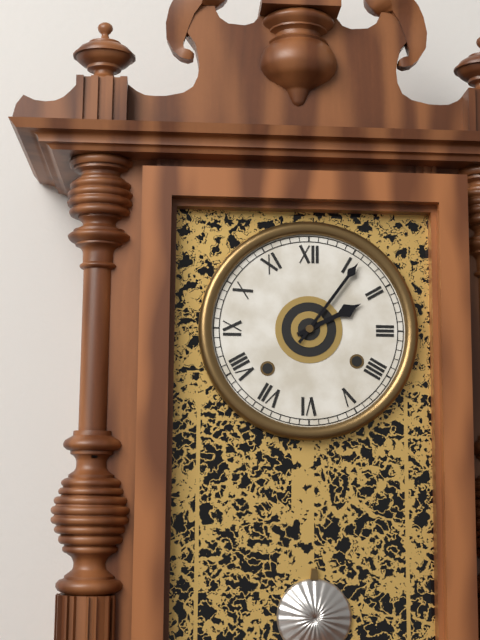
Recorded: 2:06
